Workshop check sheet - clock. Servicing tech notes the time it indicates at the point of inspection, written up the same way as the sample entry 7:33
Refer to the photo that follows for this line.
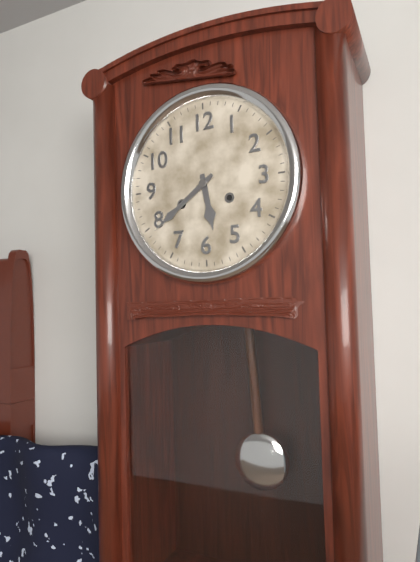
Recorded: 5:39
